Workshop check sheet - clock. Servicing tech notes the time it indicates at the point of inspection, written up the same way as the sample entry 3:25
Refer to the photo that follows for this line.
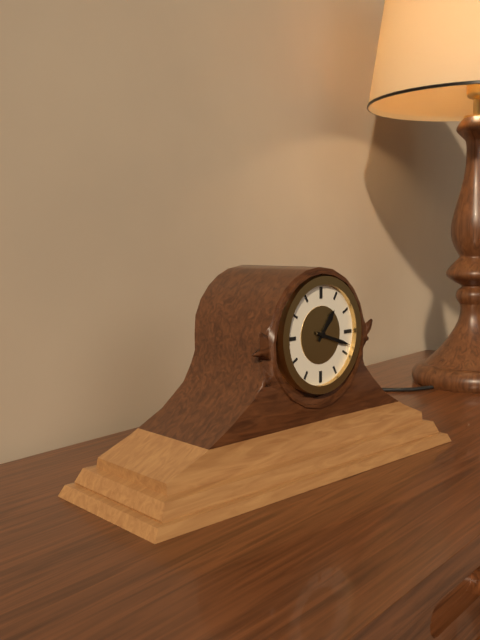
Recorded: 1:18
